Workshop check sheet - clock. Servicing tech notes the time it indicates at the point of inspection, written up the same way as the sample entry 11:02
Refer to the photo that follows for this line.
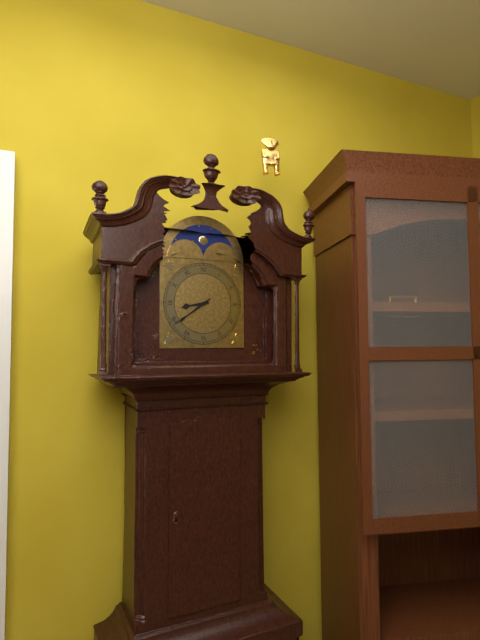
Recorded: 8:39
